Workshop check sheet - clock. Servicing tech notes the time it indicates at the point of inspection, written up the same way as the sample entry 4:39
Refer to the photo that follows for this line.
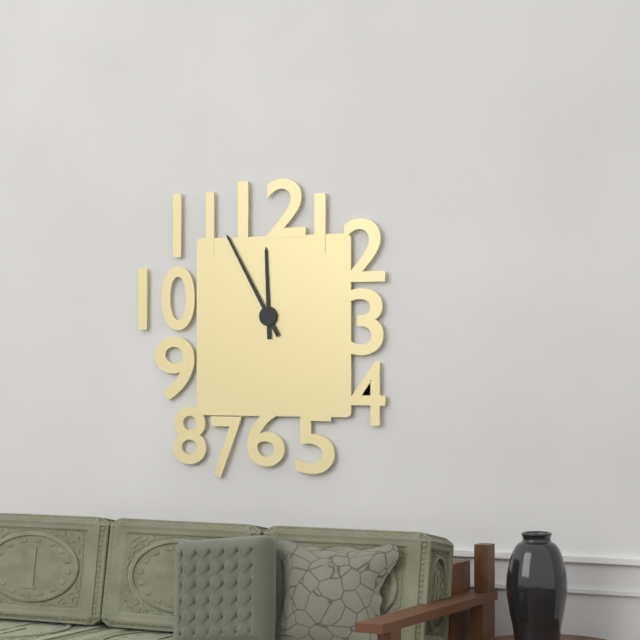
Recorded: 11:55
